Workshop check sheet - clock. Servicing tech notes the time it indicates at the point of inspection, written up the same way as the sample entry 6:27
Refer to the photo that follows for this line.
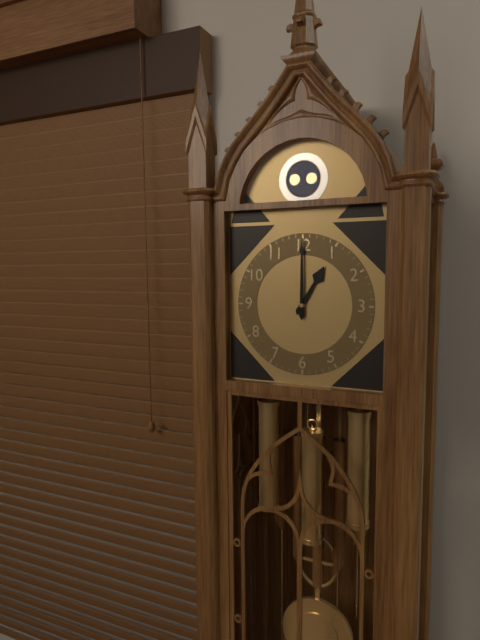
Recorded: 1:00
